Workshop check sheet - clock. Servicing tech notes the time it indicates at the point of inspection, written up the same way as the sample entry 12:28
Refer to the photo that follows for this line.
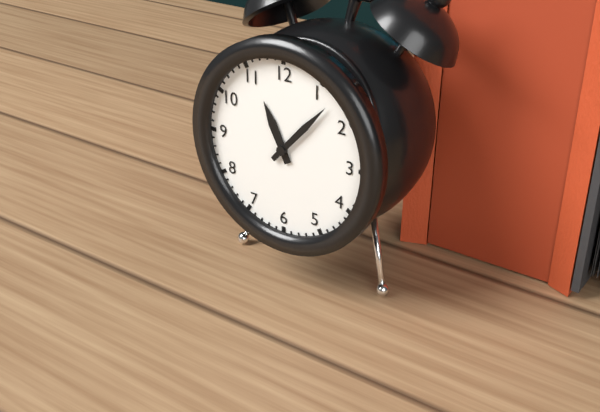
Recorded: 11:07
